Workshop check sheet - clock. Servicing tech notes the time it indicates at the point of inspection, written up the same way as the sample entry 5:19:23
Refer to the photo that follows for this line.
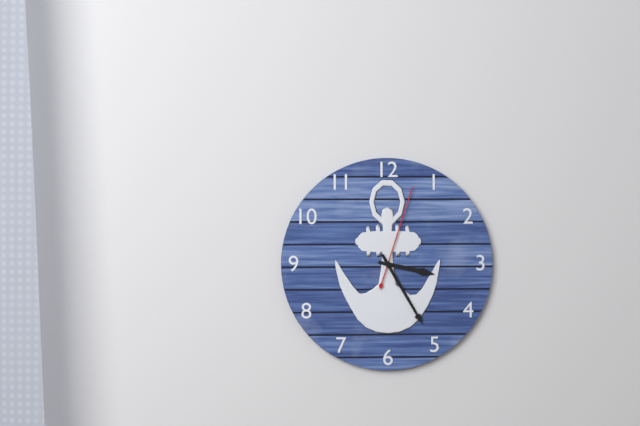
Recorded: 3:25:03
